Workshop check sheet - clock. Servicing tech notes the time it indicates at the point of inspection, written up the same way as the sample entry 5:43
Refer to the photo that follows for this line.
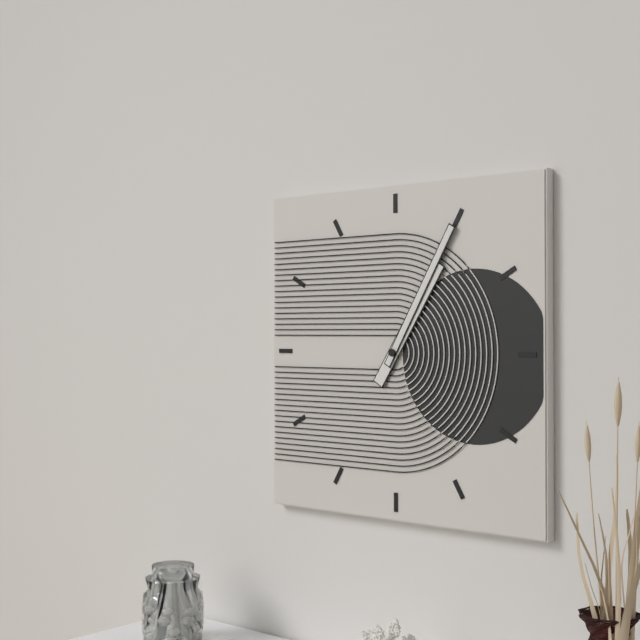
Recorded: 1:05
